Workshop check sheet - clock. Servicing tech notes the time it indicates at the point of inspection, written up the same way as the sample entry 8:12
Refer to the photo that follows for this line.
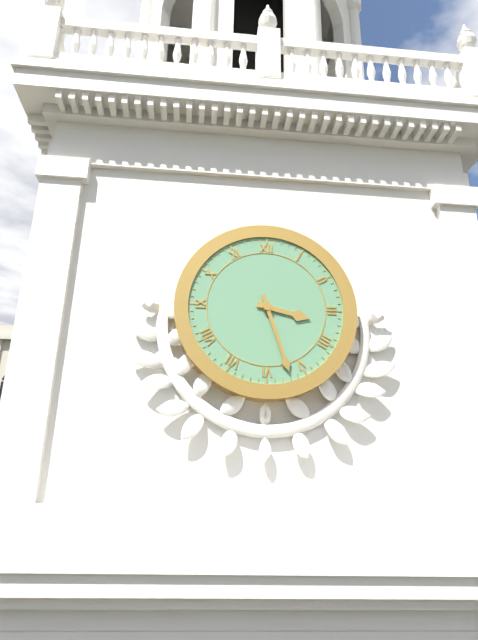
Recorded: 3:27
